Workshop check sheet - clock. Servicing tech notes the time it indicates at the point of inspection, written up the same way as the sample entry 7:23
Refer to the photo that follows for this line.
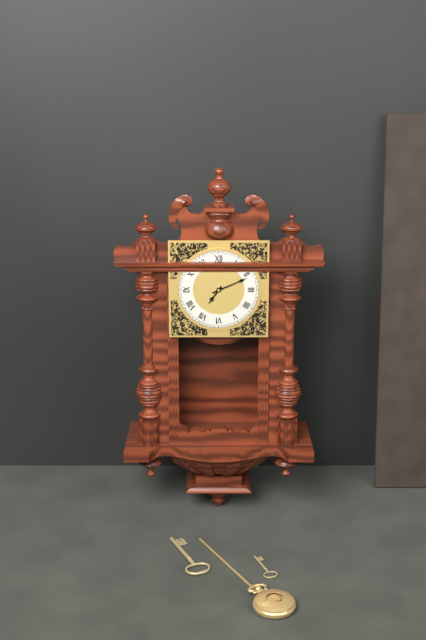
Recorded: 7:11
